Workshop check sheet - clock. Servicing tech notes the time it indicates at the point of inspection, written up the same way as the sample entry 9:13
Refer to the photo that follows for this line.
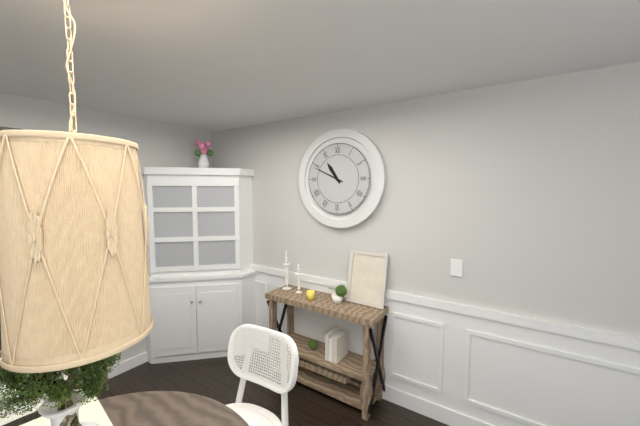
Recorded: 10:49
